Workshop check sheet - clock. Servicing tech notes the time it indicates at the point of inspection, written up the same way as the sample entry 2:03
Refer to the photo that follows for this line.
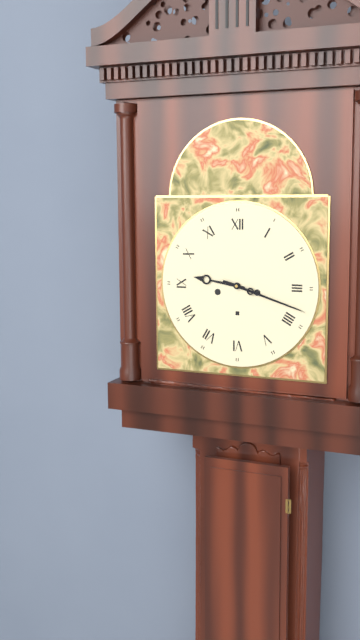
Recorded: 9:18
